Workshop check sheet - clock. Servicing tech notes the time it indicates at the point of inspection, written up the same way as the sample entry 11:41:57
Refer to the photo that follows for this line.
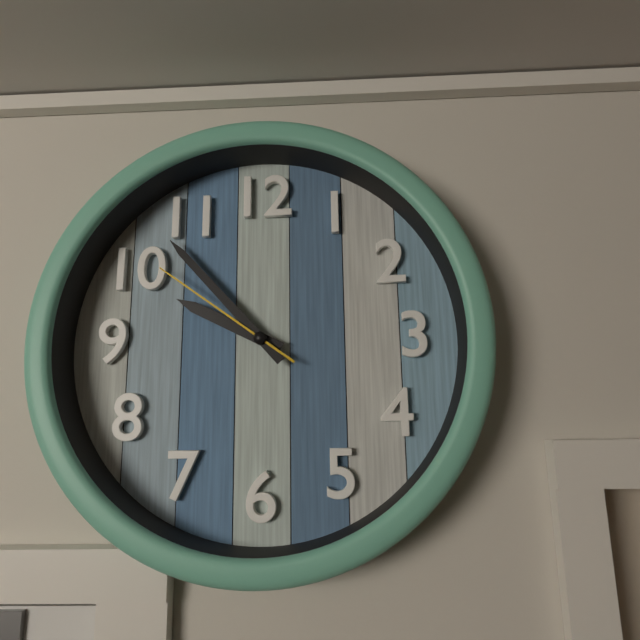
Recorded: 9:53:51
